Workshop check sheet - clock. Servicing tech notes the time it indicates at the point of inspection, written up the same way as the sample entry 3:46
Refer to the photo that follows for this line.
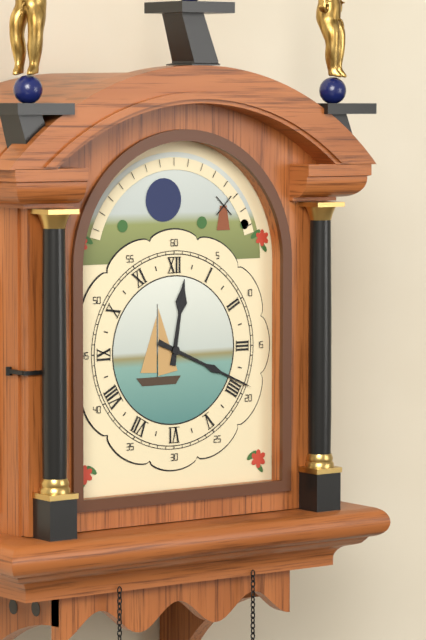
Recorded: 12:19
